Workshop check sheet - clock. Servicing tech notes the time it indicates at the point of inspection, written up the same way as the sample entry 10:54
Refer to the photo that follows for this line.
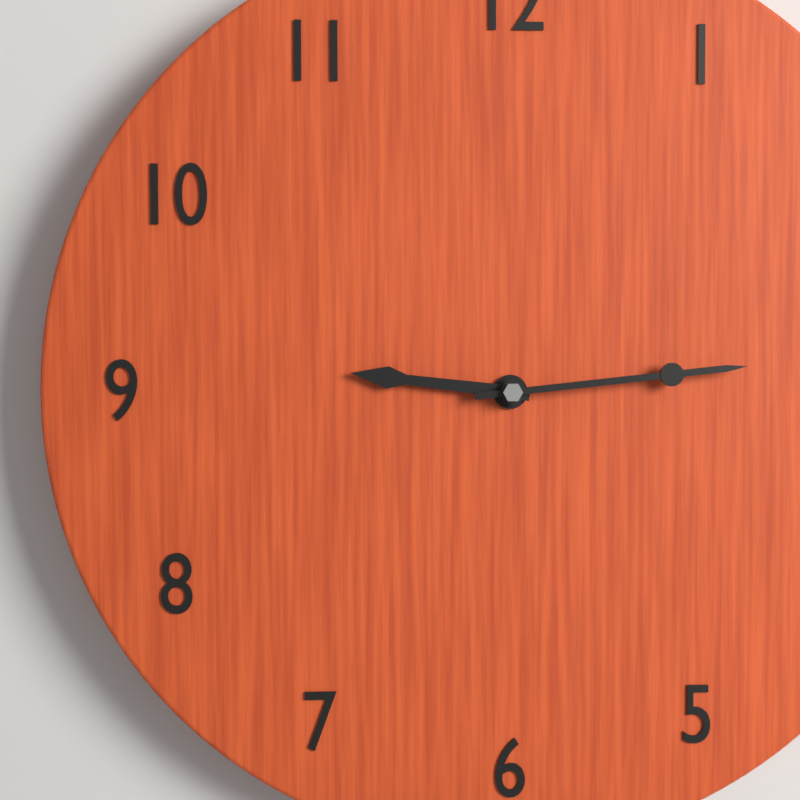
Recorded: 9:14
